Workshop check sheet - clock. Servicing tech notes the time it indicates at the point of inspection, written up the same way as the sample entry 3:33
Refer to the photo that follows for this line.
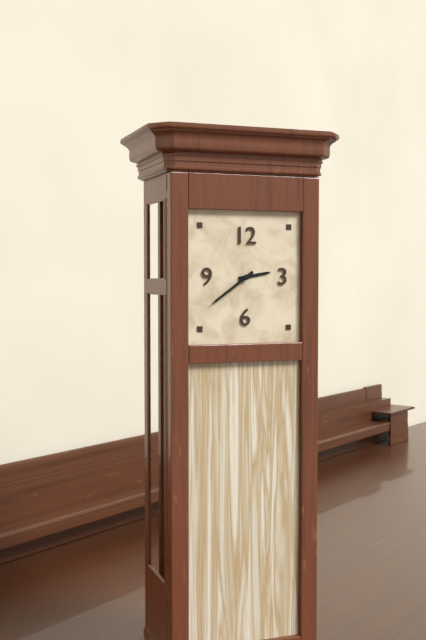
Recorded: 2:39
